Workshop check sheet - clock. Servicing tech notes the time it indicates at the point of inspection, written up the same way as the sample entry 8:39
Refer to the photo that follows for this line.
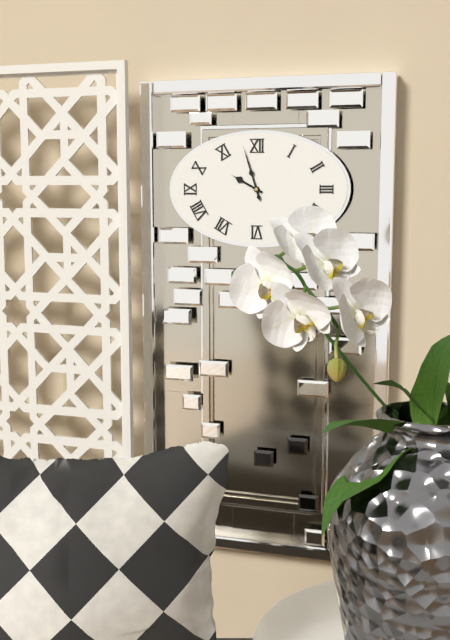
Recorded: 9:57
